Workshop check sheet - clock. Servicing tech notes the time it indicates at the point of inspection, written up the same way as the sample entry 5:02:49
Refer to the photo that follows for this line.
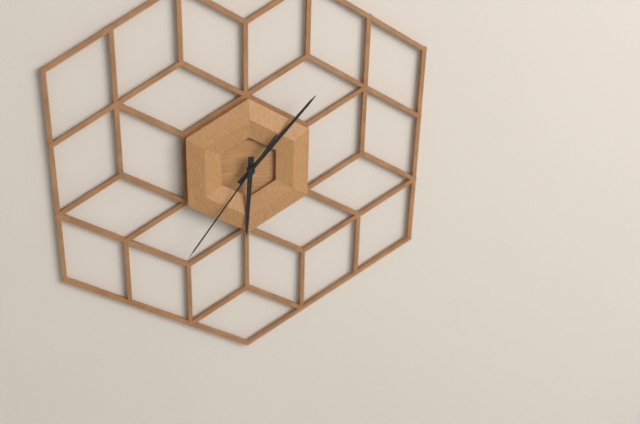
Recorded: 6:07:36
